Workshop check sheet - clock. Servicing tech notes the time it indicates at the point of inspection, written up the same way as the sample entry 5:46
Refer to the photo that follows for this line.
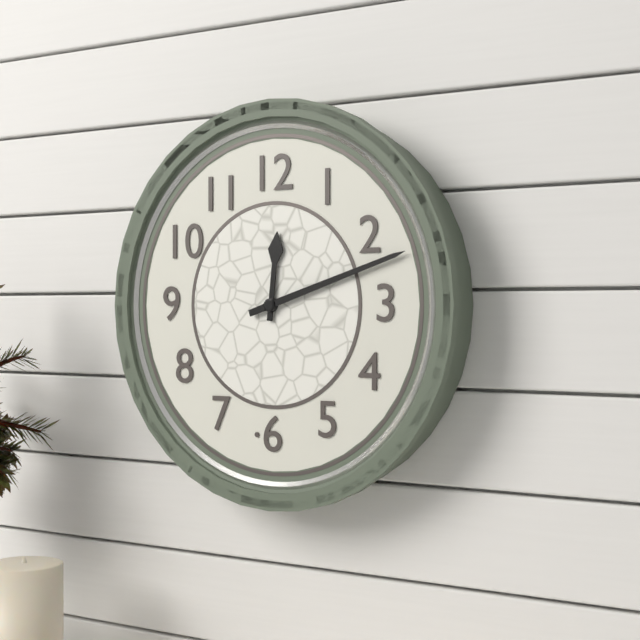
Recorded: 12:12
